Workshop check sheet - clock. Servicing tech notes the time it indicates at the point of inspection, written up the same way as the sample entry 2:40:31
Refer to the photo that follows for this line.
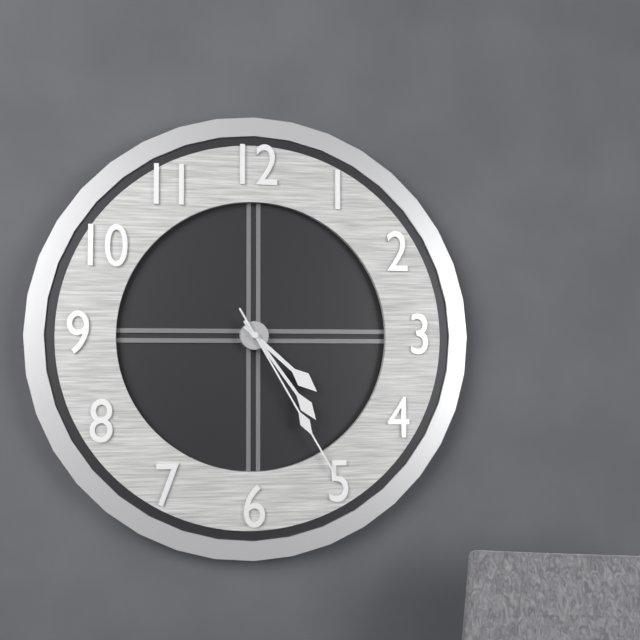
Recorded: 4:24:25
